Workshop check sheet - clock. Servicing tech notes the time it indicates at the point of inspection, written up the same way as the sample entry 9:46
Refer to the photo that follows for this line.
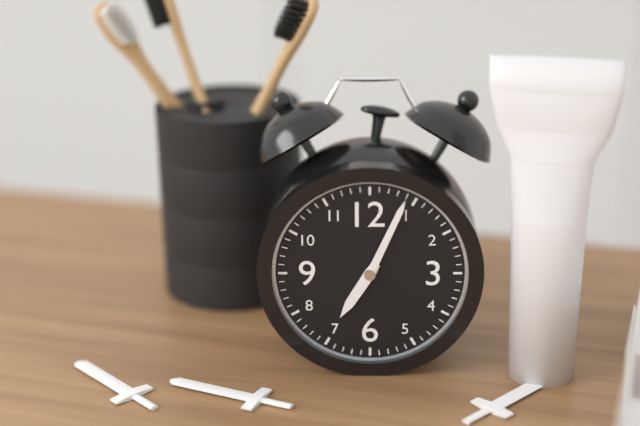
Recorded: 7:04
